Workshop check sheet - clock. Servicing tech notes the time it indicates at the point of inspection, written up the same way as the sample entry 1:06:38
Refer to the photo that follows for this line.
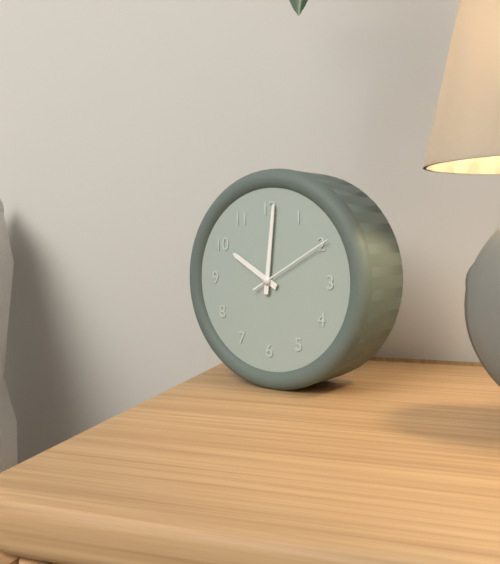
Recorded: 10:01:10
